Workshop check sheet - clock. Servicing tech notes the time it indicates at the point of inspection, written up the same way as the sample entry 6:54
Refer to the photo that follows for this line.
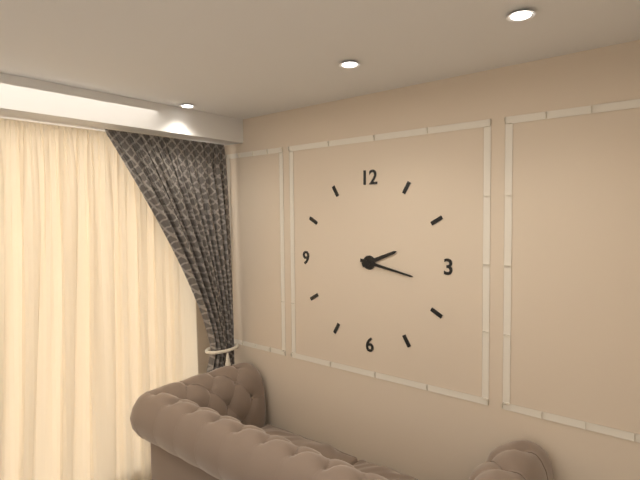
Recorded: 2:17
